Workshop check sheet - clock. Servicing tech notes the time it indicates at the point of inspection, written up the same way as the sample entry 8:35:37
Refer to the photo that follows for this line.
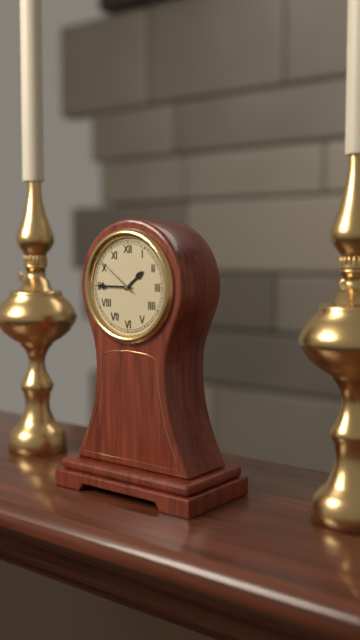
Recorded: 1:45:51
